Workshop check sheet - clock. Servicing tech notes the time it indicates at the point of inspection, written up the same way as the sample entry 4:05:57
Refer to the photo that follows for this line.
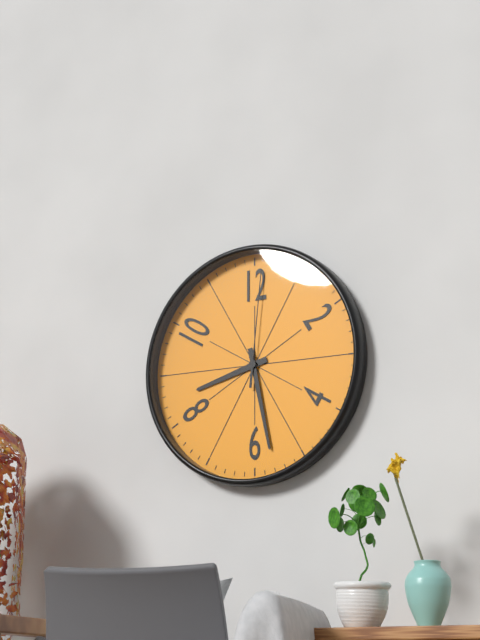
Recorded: 8:28:01
